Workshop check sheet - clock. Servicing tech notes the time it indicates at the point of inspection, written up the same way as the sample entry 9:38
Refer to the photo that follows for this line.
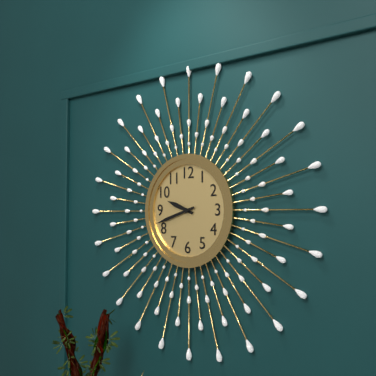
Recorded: 9:42
